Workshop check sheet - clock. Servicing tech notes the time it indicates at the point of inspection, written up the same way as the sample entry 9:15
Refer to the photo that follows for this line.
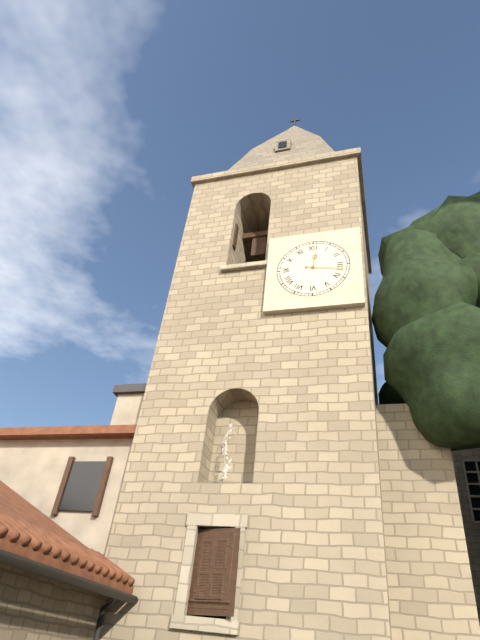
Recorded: 12:17
